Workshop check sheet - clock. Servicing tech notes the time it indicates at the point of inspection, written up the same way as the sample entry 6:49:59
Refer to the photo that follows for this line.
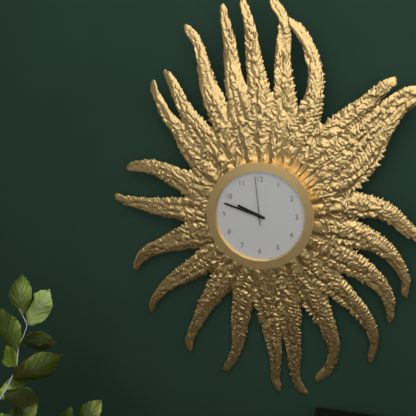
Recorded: 9:48:59
